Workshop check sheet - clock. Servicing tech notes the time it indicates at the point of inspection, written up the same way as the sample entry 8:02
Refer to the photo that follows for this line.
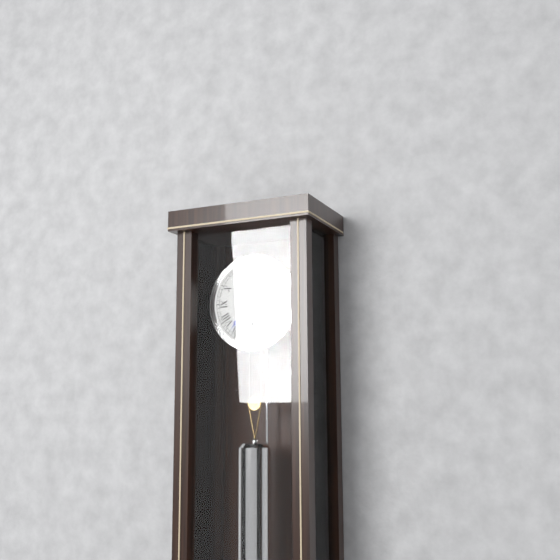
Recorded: 6:37
